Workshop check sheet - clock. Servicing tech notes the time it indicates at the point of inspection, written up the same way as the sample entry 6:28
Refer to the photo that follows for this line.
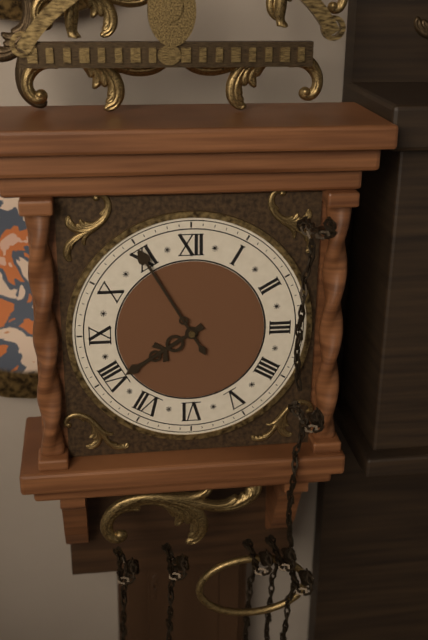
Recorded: 7:55
